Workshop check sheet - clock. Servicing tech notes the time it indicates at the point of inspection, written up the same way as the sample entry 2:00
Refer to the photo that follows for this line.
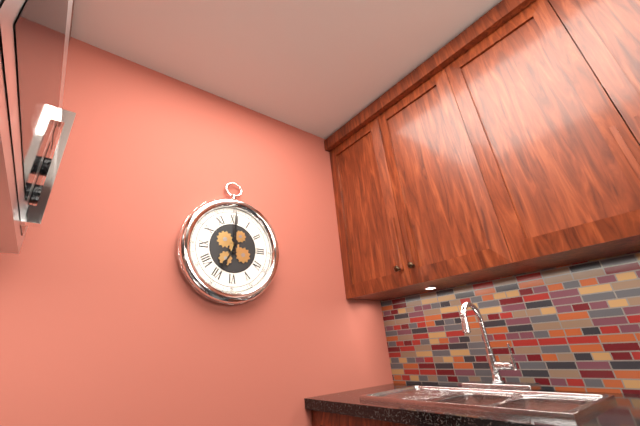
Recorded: 7:00
